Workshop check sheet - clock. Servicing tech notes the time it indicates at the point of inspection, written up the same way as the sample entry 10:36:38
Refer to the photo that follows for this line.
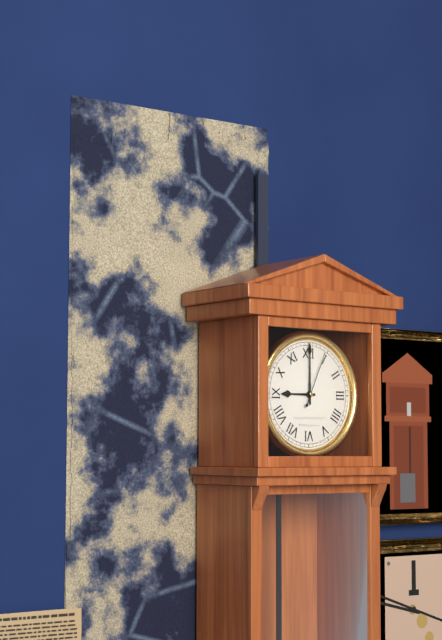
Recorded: 9:00:04
